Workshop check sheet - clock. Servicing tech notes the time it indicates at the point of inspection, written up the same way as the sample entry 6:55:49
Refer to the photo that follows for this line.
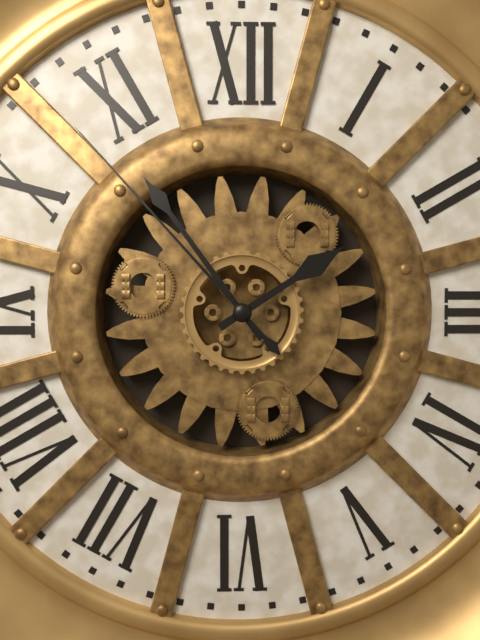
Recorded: 1:54:53
